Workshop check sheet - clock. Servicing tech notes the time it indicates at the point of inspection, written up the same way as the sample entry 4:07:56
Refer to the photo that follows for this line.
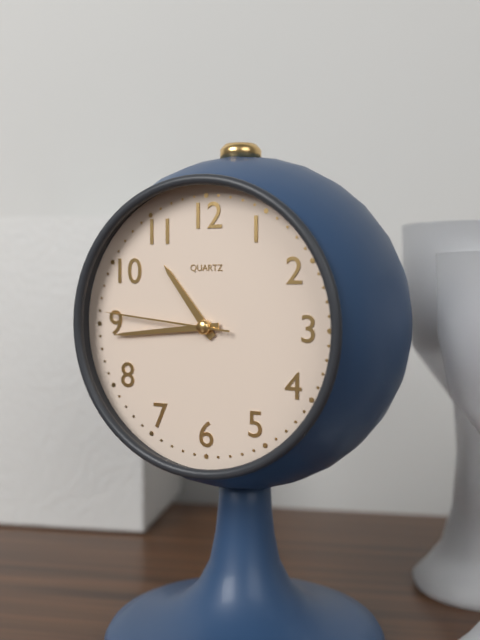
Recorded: 10:44:46
